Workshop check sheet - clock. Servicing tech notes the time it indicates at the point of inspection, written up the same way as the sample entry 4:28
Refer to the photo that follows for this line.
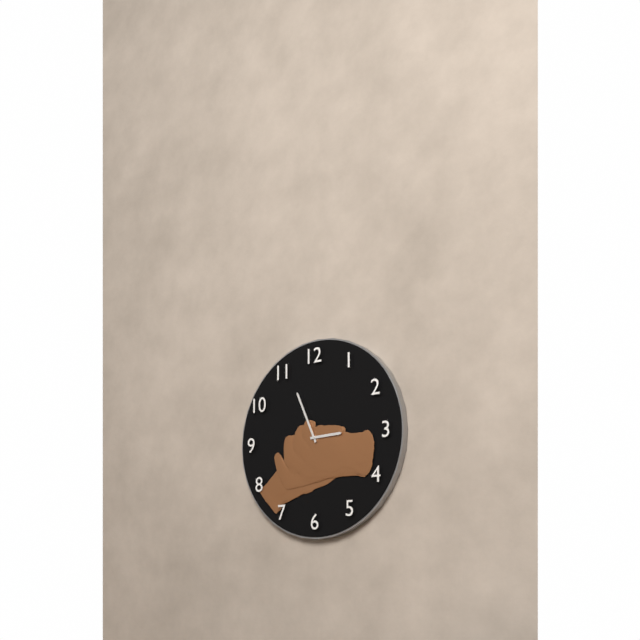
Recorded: 2:56
